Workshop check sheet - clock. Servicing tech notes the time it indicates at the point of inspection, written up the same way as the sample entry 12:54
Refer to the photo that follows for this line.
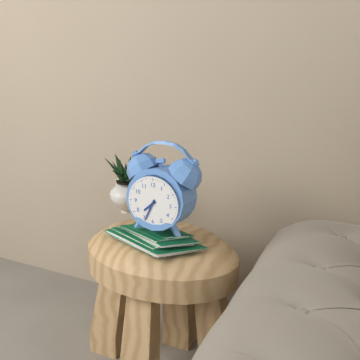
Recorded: 7:34
